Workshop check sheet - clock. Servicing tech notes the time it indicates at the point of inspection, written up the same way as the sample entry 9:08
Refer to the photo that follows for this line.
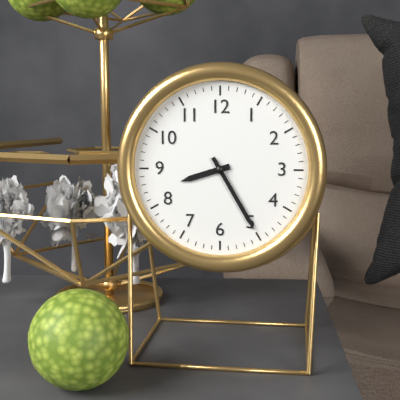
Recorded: 8:25
